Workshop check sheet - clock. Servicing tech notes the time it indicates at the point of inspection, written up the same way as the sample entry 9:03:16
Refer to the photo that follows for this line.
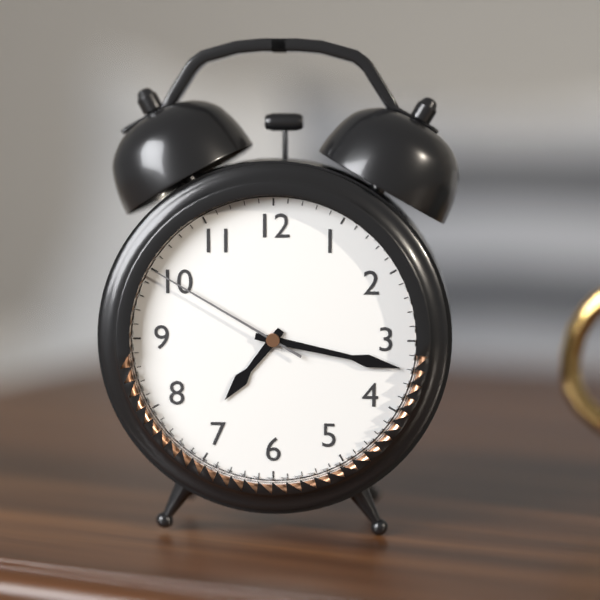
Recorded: 7:17:50
